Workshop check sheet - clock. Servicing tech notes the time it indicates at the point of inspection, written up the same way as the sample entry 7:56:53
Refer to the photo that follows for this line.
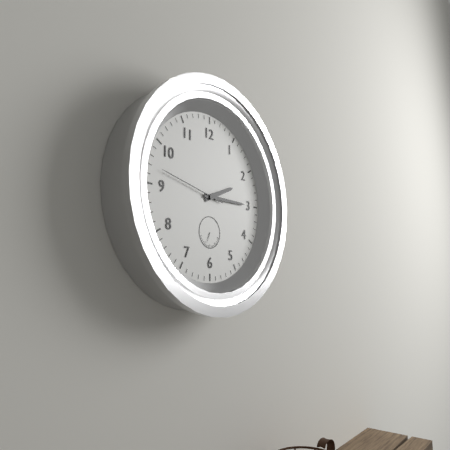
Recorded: 2:15:47
